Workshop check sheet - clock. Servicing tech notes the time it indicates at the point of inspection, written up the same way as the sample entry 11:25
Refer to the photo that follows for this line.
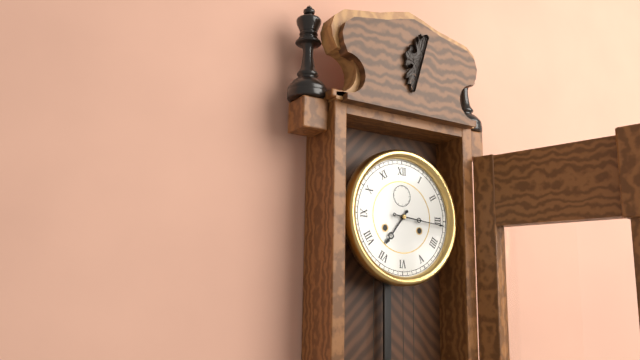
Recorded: 7:16
